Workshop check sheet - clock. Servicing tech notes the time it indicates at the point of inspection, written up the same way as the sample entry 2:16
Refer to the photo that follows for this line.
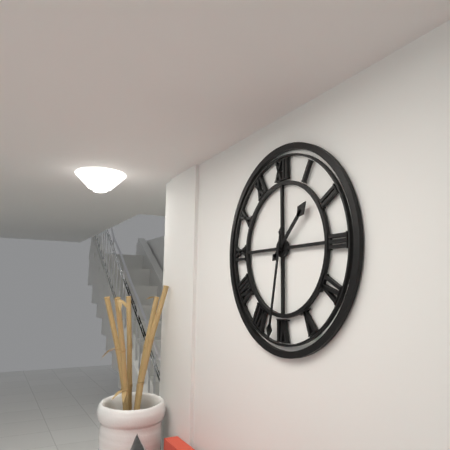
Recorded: 1:32
